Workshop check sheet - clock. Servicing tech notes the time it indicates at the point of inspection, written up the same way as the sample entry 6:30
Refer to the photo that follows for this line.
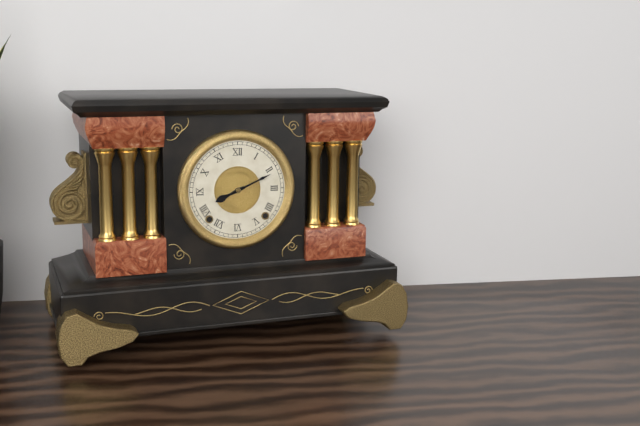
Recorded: 8:11
